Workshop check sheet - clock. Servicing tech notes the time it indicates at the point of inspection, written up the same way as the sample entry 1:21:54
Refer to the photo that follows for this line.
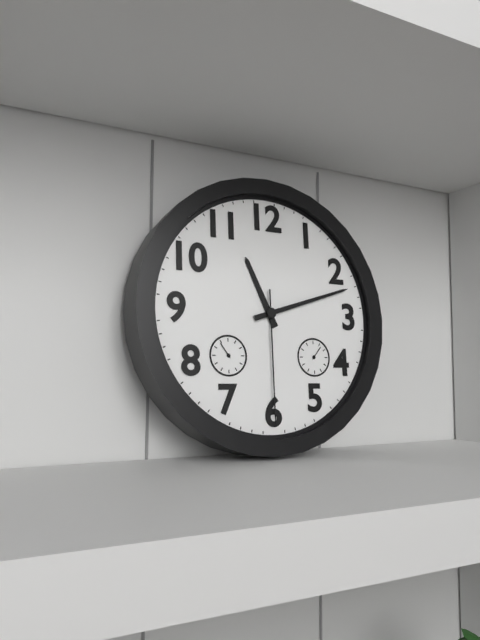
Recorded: 11:12:30
